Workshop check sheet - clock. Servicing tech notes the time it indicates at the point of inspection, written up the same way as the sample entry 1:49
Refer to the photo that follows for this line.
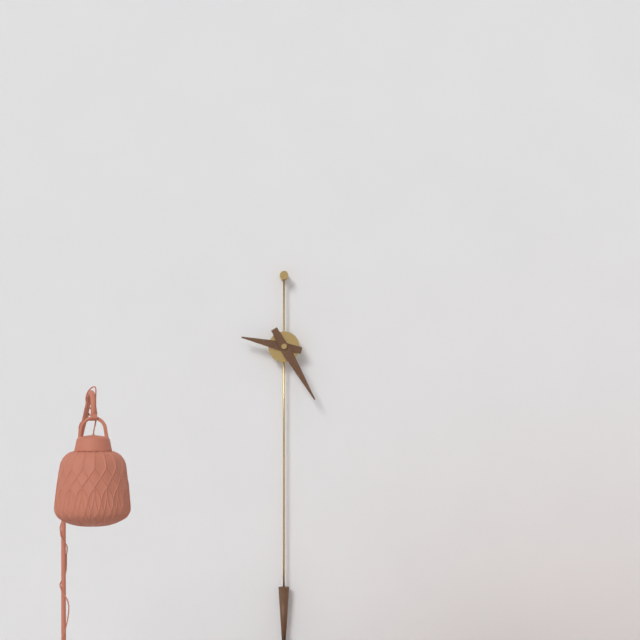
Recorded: 9:25
